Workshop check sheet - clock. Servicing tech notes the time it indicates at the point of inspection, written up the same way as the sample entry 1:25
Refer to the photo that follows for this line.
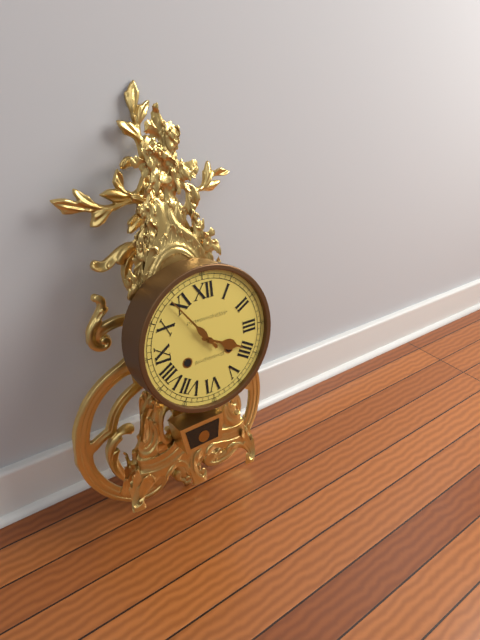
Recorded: 3:54
